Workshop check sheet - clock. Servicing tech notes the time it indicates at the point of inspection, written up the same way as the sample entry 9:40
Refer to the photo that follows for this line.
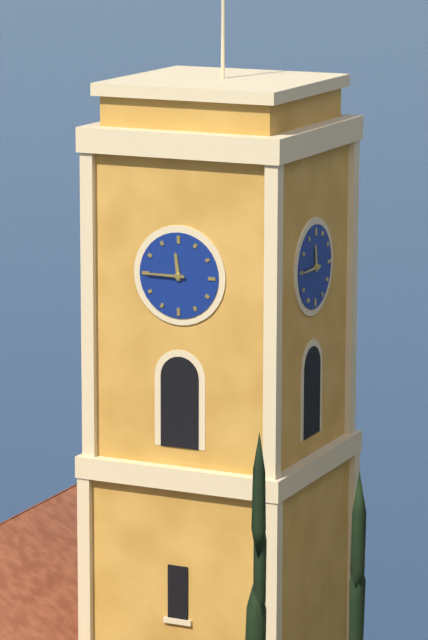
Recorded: 11:45
